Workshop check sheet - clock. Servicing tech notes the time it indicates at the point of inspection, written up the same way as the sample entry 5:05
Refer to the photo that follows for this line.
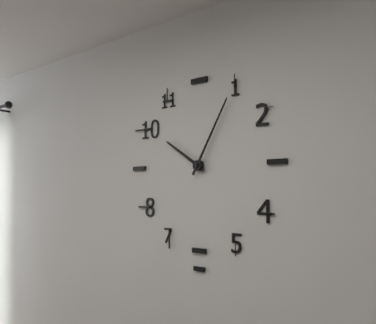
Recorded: 10:05
